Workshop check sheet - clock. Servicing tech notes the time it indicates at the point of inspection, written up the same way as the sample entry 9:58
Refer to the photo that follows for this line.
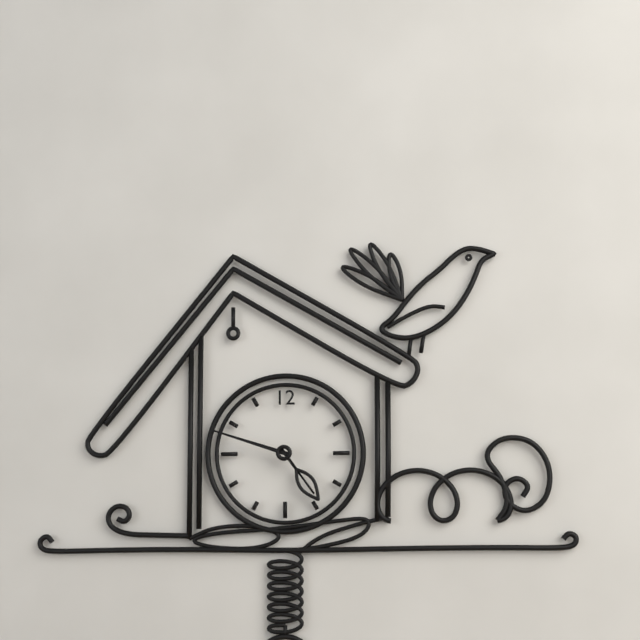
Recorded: 4:48
